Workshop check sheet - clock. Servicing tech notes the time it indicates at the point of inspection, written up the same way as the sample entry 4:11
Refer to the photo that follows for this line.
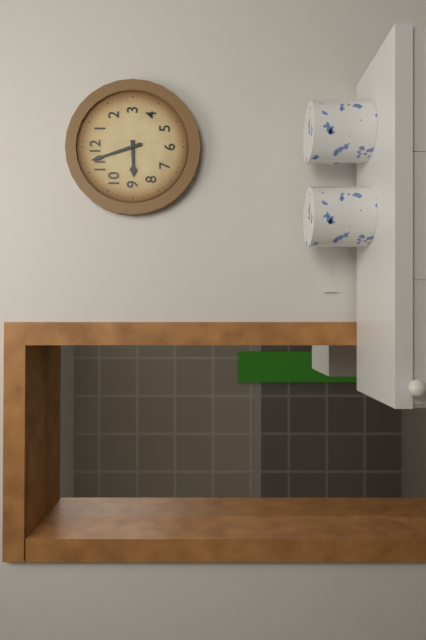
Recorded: 8:57
